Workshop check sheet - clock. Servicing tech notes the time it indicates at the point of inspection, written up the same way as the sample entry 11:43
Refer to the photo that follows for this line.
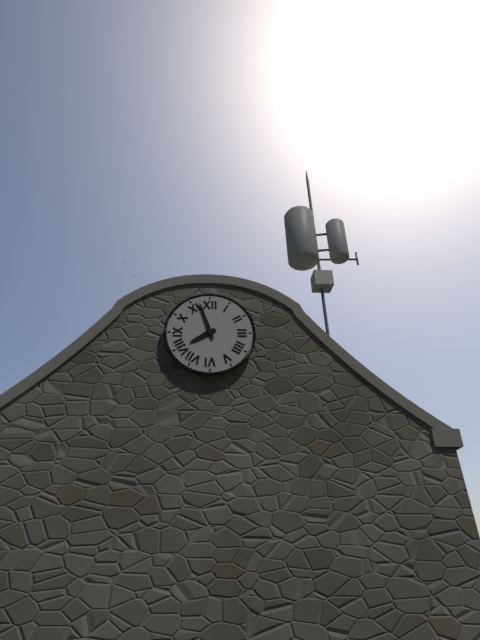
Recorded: 7:57
